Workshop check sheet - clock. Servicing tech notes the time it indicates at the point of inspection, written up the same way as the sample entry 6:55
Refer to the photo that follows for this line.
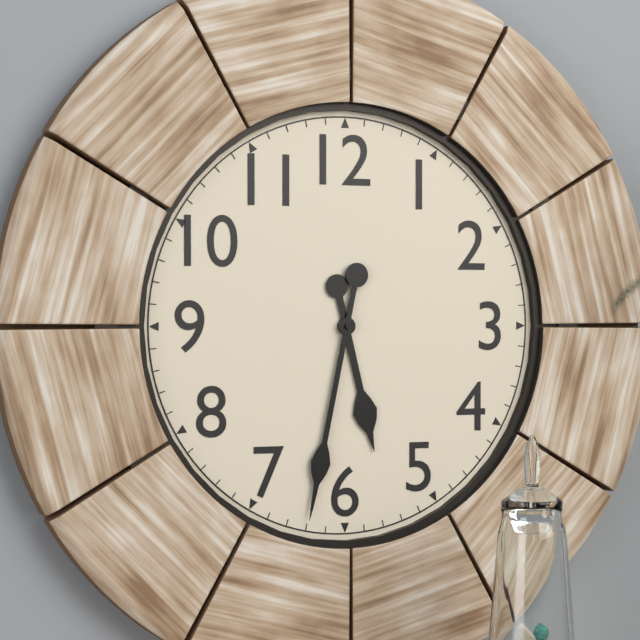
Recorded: 5:32
